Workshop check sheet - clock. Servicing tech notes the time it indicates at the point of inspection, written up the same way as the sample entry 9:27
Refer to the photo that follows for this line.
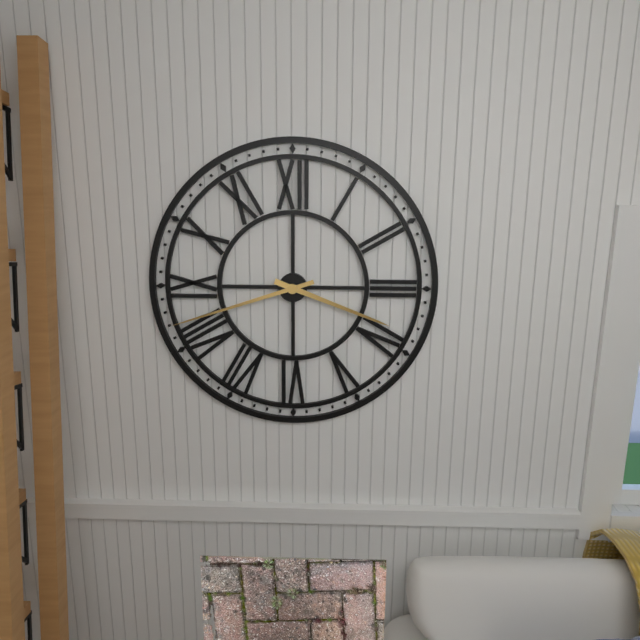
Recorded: 3:42
